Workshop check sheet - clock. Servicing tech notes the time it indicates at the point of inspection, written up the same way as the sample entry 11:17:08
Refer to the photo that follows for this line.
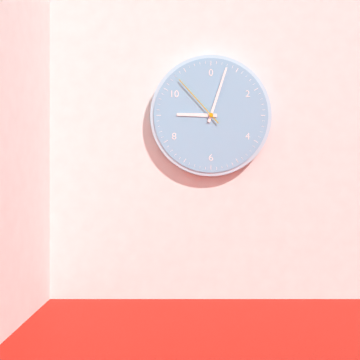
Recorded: 9:03:53
